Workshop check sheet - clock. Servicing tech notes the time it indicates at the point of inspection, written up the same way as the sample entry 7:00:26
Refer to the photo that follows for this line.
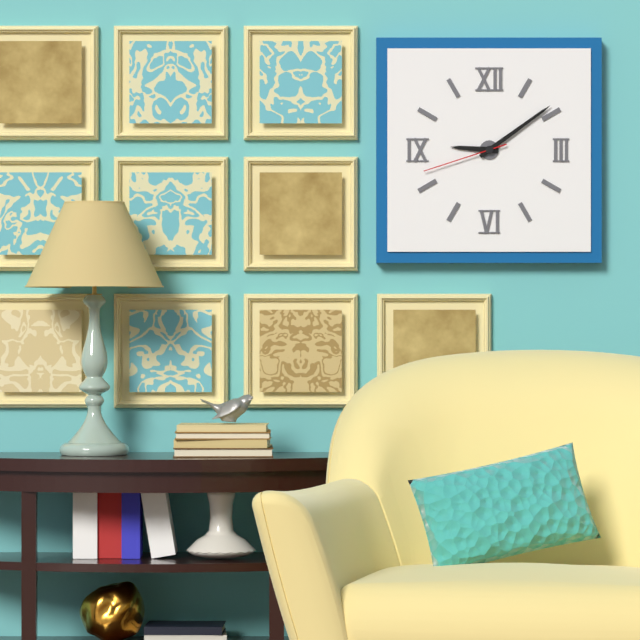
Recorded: 9:09:42
